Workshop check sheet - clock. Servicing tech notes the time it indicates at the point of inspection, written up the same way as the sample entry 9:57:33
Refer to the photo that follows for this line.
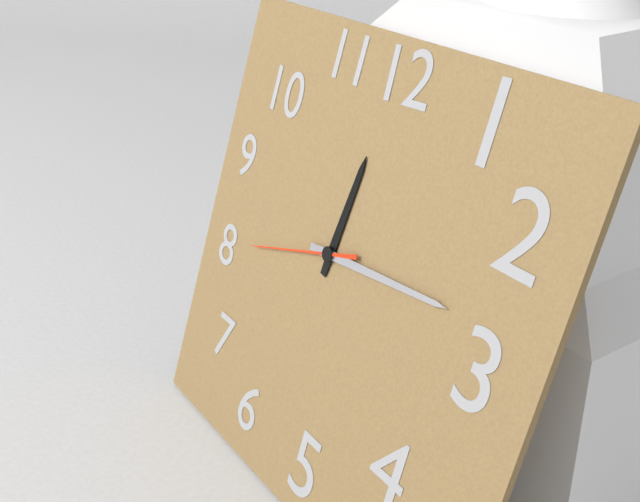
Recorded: 12:14:42
